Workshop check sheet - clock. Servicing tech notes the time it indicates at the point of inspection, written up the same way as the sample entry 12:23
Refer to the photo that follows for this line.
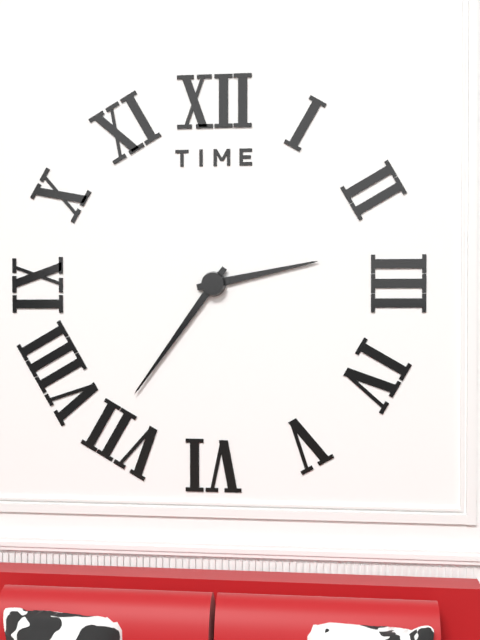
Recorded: 2:36
